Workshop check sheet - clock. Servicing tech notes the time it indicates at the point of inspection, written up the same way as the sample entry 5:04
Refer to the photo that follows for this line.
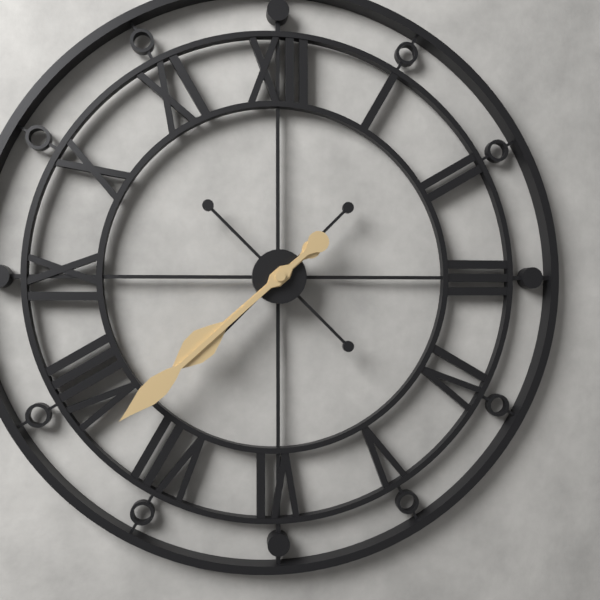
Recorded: 7:38
